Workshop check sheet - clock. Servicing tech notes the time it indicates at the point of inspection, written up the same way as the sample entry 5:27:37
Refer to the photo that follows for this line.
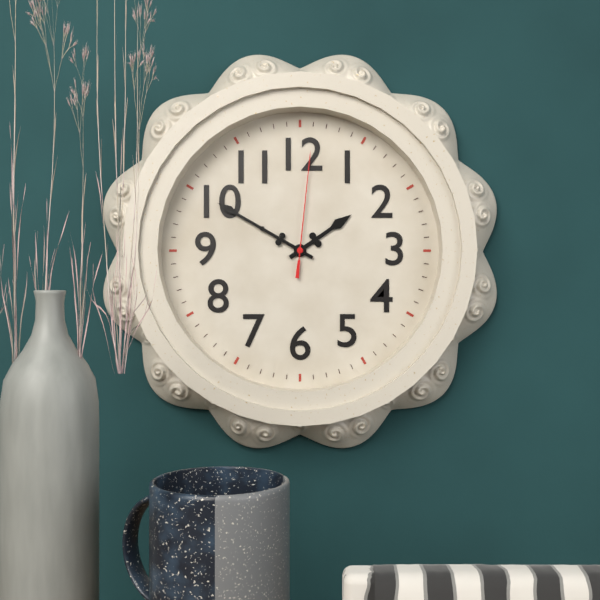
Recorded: 1:50:01
